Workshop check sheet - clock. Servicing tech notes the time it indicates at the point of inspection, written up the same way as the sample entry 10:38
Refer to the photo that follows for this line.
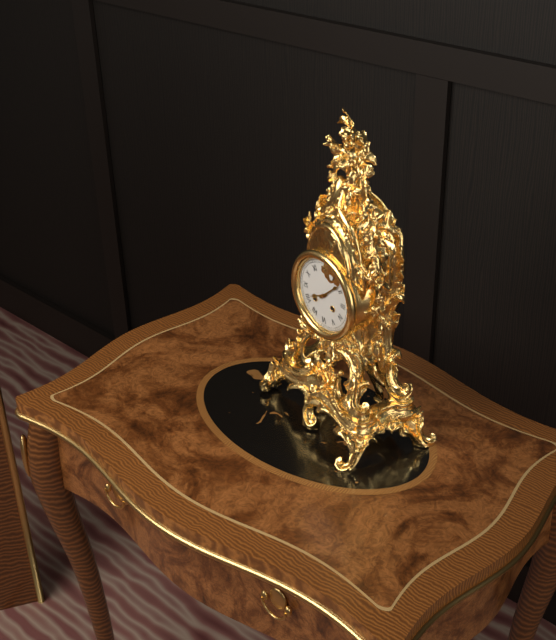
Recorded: 8:08
